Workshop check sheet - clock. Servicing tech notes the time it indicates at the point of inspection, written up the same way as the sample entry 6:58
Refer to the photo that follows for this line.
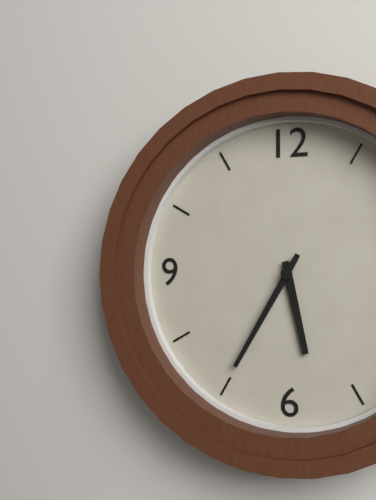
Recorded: 5:35
